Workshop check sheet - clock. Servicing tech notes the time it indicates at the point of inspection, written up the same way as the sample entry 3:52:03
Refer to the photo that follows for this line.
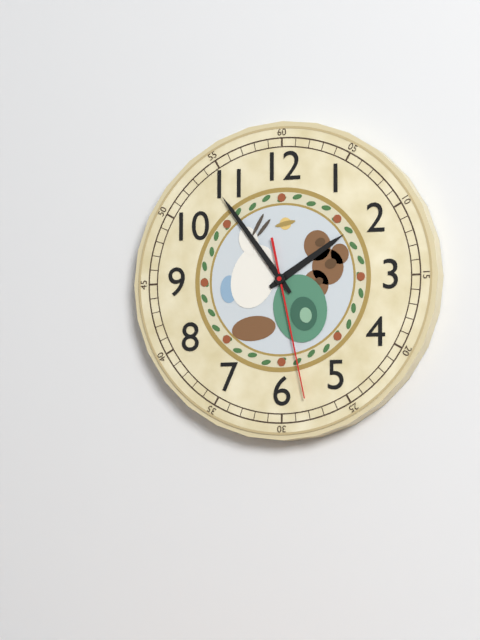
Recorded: 1:54:28
